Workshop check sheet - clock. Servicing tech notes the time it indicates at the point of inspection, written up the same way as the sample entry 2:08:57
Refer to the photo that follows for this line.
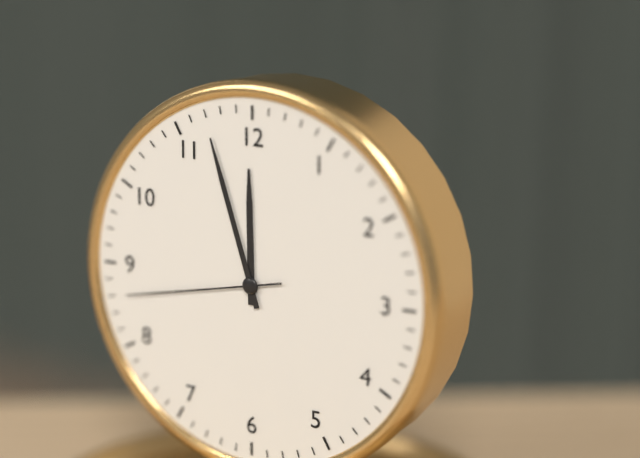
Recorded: 11:57:43
